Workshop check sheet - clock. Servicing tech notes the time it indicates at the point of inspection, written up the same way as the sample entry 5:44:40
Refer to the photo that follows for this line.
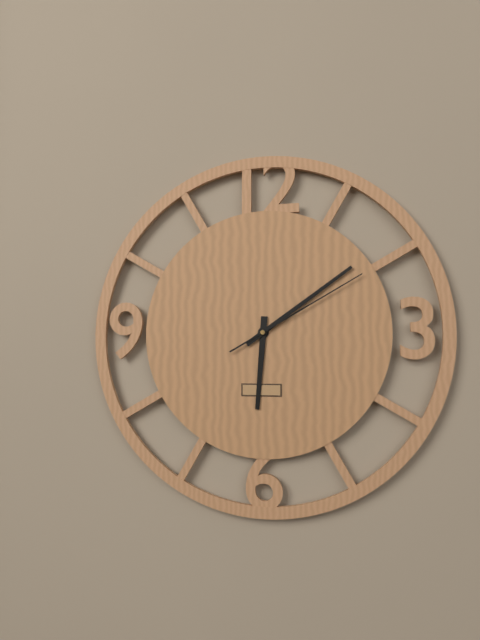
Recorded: 6:09:10
